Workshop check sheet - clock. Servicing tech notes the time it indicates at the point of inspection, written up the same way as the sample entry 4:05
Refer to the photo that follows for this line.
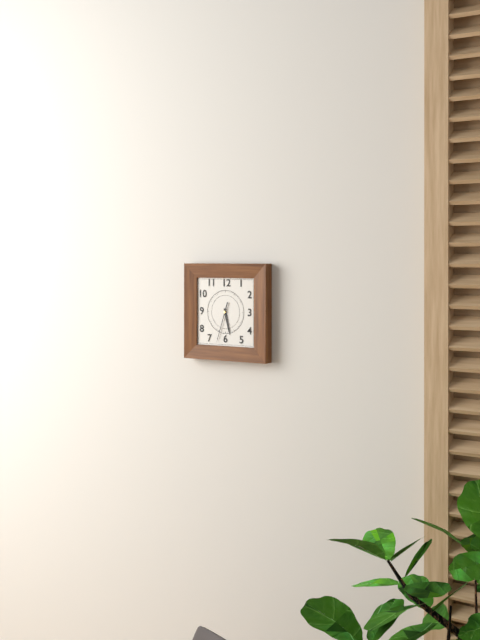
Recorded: 5:33
